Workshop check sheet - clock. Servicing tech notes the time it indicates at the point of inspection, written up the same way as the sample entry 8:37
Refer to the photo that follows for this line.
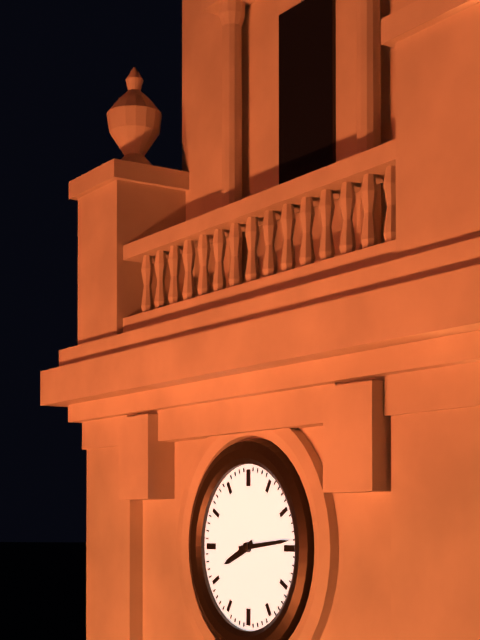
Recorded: 8:14
